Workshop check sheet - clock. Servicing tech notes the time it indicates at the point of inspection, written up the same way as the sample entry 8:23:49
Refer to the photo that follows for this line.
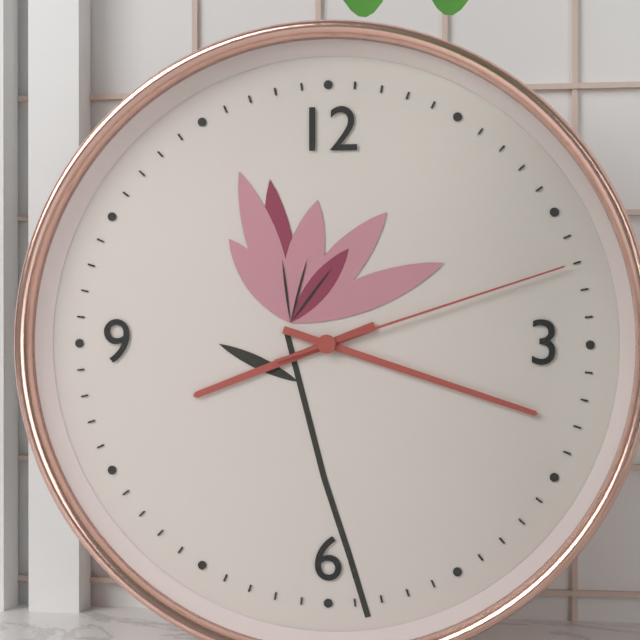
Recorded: 8:18:12
